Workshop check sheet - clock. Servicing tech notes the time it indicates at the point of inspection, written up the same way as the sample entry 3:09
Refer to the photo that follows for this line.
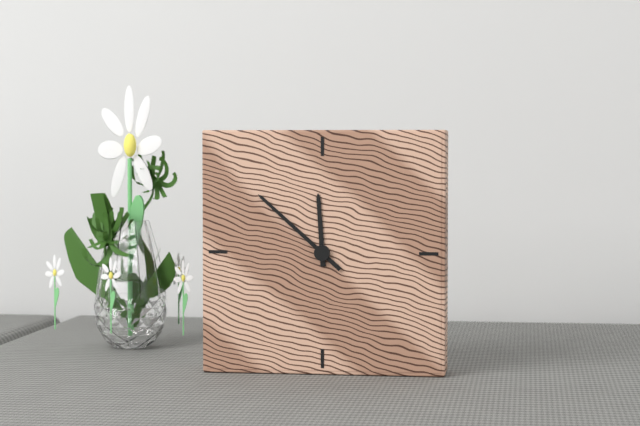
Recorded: 11:52
